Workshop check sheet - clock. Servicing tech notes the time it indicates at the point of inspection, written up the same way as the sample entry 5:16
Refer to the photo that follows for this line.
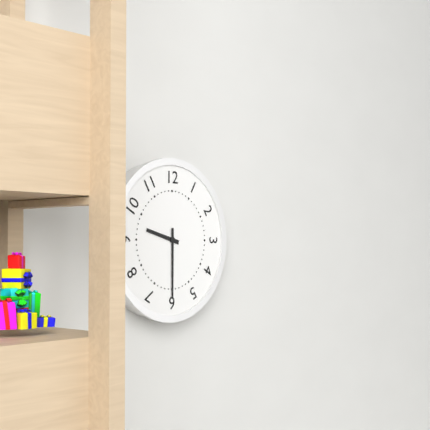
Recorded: 9:30
